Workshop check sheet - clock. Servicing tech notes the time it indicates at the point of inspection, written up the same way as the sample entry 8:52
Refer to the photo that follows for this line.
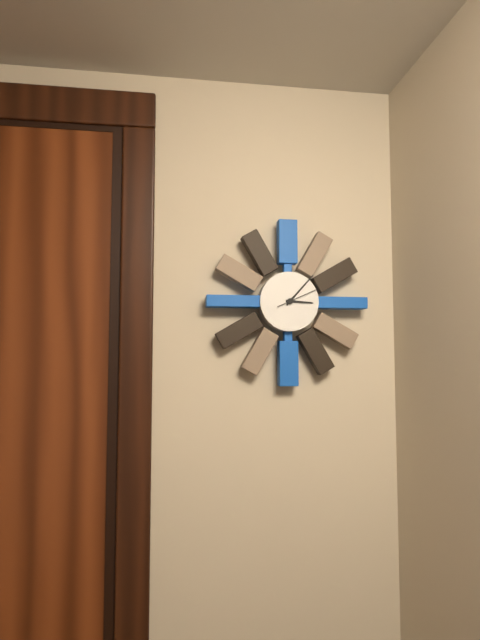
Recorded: 3:07
